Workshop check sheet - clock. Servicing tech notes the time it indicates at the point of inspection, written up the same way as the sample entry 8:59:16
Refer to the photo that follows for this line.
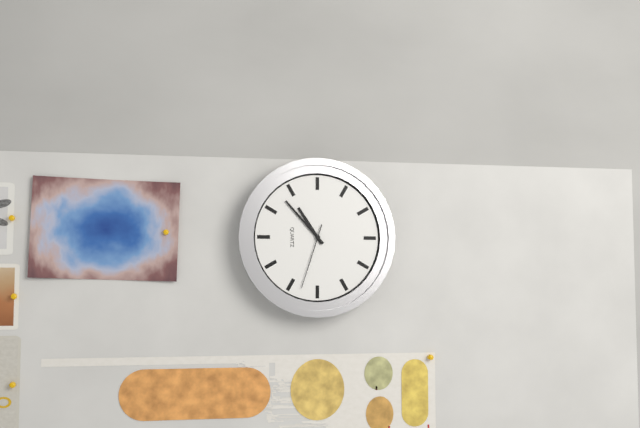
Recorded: 10:53:33
